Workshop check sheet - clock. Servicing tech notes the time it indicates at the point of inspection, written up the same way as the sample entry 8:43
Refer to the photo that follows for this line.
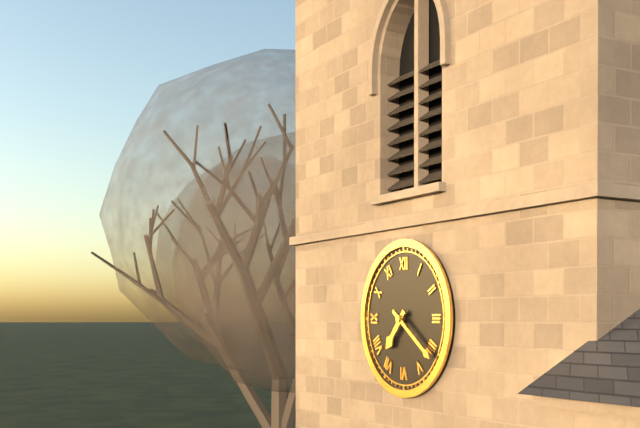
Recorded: 7:21
